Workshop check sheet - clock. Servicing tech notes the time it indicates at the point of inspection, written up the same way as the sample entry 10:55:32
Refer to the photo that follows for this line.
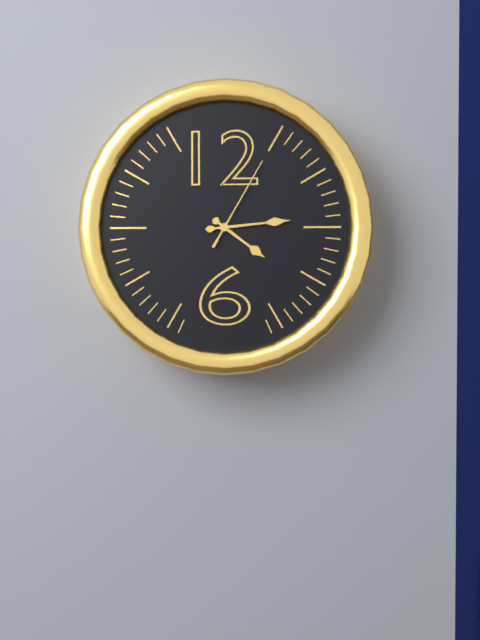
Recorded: 4:14:05
